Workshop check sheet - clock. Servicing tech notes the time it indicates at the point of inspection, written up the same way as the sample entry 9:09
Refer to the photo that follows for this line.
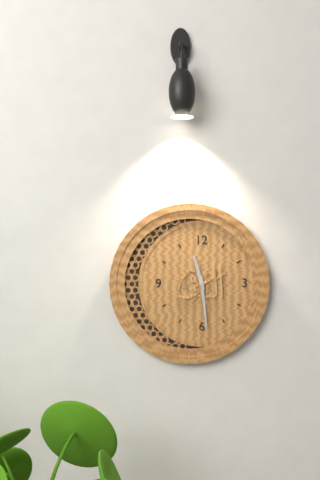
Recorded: 11:29
